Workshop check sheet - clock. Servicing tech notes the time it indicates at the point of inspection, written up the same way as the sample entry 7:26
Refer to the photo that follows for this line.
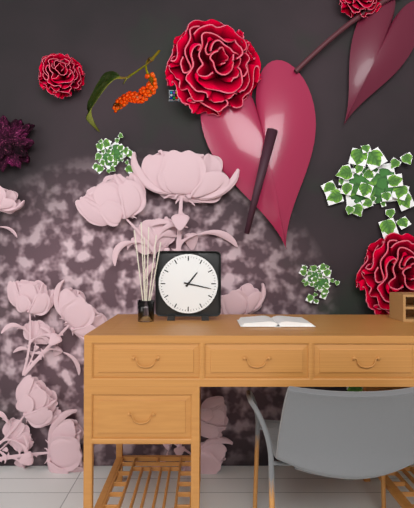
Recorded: 1:17
